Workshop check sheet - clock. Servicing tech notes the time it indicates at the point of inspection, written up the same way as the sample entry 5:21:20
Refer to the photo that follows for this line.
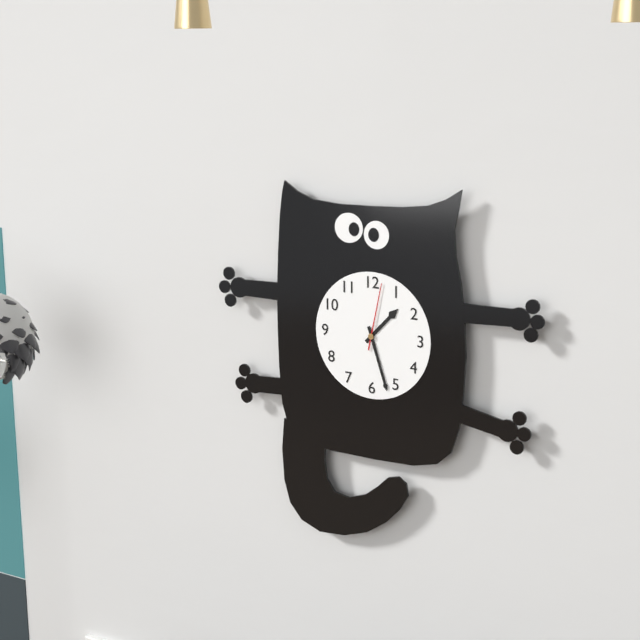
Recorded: 1:27:02
